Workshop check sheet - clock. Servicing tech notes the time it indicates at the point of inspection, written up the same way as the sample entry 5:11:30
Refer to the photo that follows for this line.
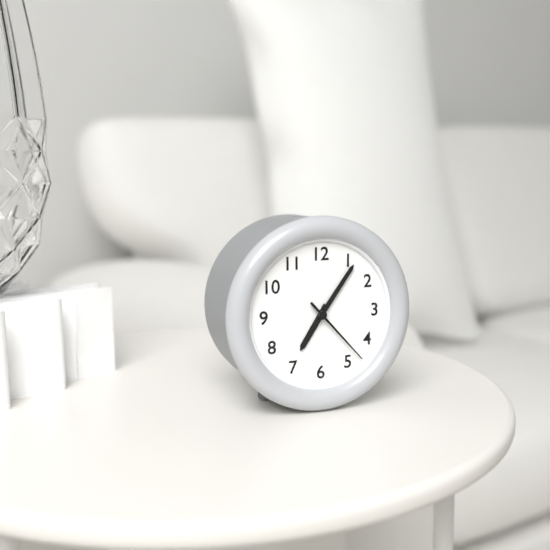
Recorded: 7:06:23
